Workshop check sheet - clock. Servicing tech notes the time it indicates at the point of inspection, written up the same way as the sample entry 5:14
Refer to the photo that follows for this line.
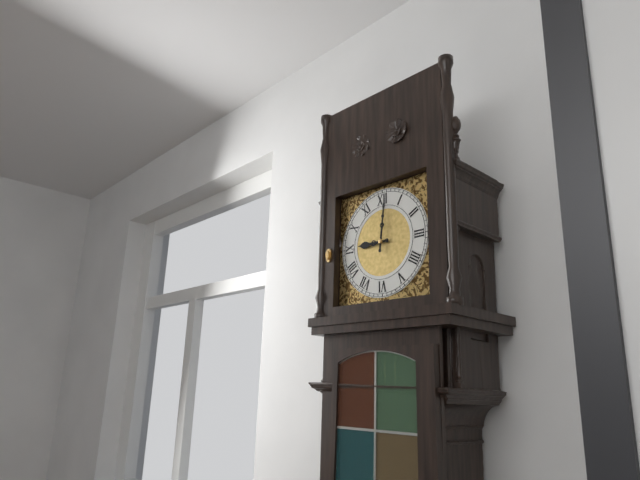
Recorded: 9:01
